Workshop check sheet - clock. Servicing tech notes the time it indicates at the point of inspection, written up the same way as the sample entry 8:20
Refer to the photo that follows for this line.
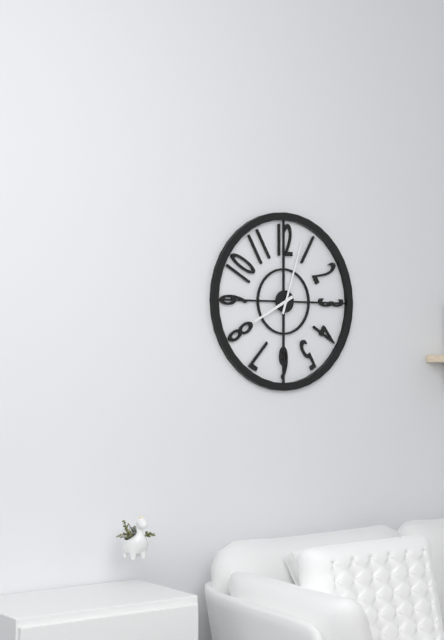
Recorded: 8:03
